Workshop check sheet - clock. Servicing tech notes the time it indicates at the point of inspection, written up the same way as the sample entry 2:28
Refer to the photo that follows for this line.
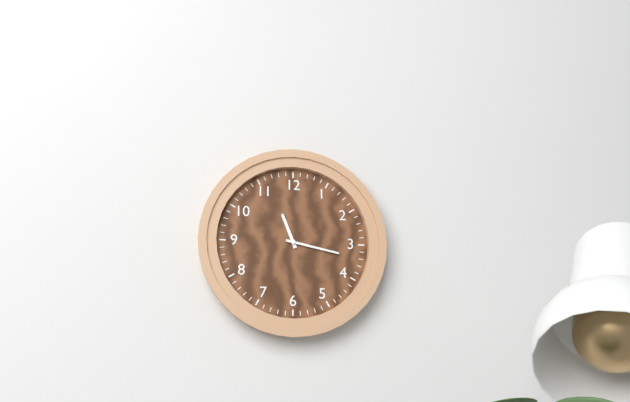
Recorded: 11:17
